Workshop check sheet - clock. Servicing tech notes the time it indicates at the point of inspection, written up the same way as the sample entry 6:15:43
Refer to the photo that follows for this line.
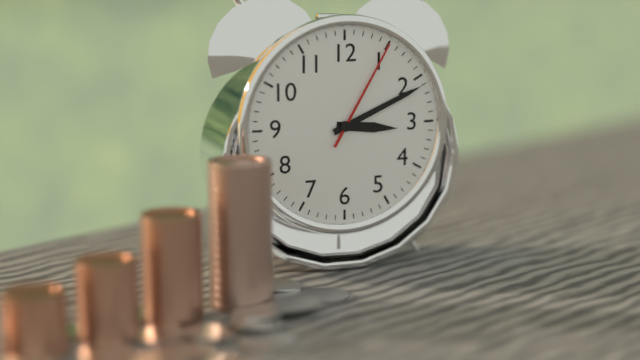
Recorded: 3:11:05
